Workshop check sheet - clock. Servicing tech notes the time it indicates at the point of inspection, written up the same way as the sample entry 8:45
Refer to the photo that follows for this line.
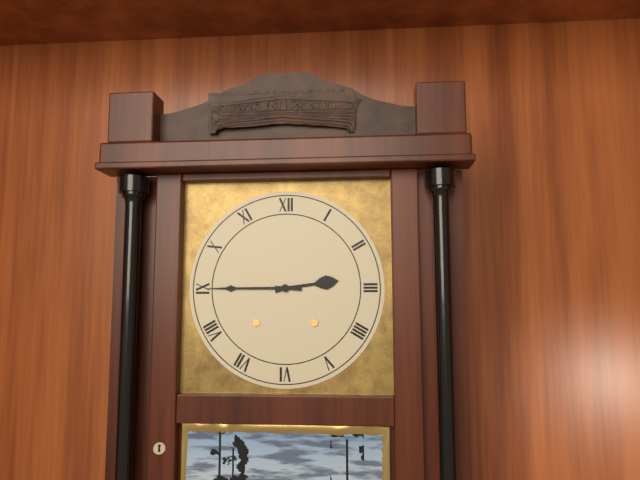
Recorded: 2:45
